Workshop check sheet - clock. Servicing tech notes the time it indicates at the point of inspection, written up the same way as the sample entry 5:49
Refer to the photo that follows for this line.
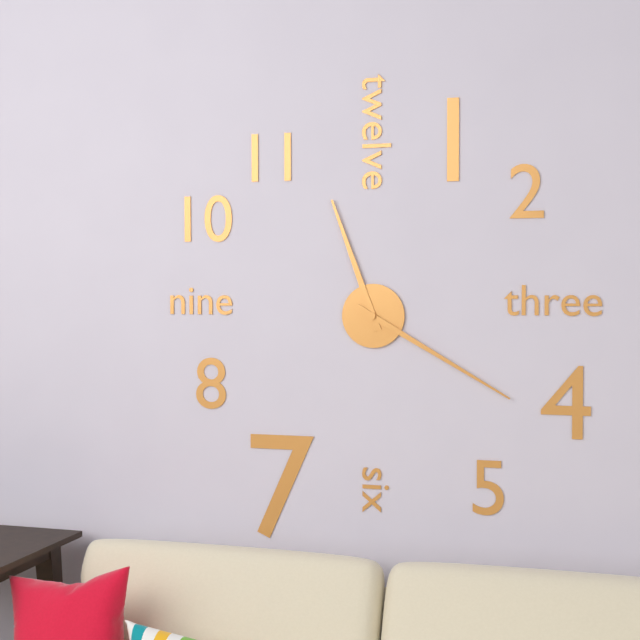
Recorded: 11:20
